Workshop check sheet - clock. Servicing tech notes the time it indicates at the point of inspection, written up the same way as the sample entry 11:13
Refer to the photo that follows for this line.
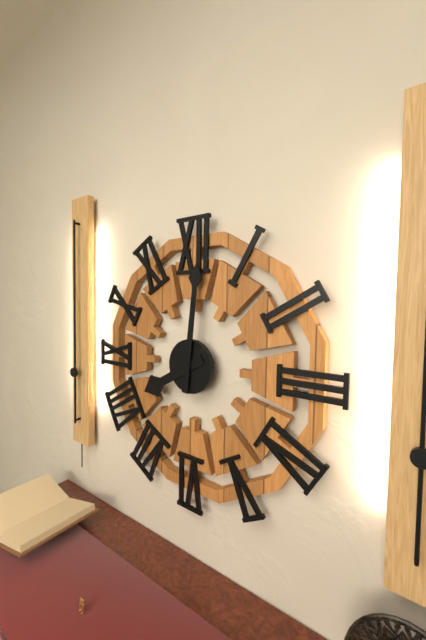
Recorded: 8:01
